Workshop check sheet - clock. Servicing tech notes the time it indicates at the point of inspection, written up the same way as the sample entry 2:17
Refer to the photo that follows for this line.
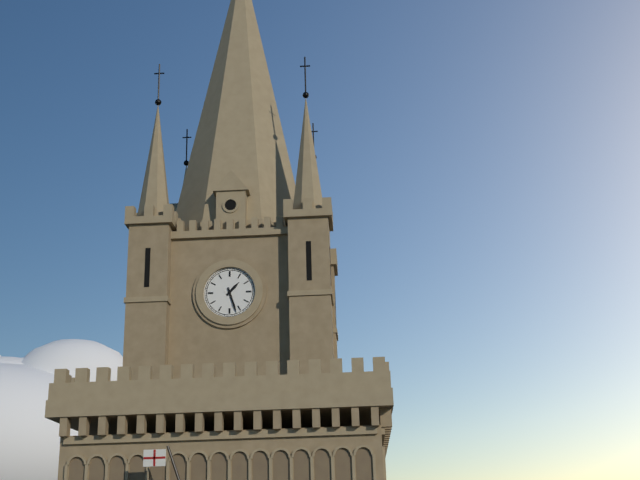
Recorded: 1:27
